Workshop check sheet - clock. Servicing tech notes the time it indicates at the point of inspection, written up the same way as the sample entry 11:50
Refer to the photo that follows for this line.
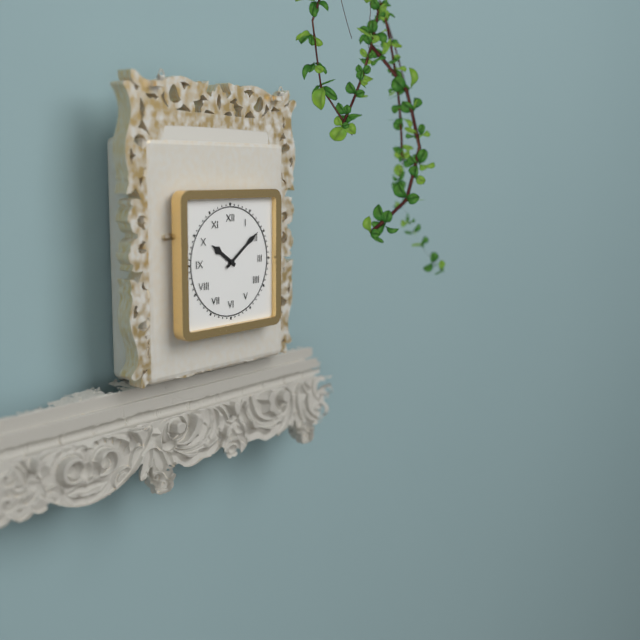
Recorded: 10:09
